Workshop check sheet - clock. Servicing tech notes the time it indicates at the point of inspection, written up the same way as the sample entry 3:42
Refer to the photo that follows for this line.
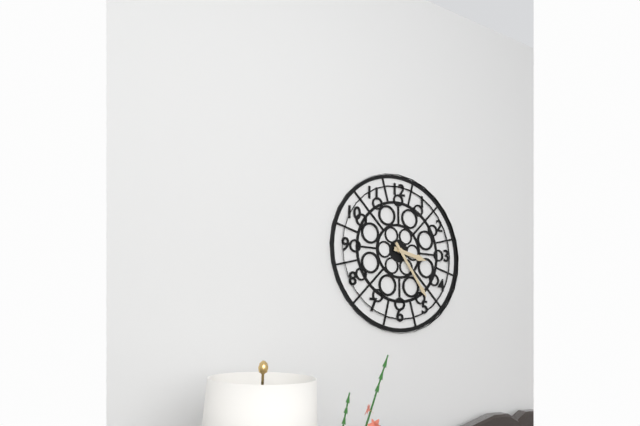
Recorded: 3:24
